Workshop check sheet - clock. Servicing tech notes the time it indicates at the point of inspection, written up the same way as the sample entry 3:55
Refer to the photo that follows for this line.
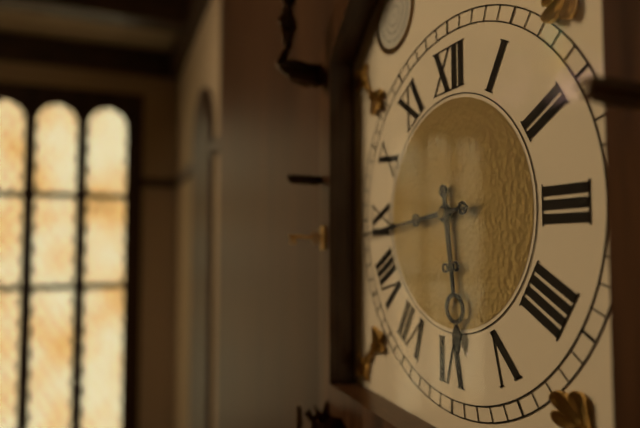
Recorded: 5:44
